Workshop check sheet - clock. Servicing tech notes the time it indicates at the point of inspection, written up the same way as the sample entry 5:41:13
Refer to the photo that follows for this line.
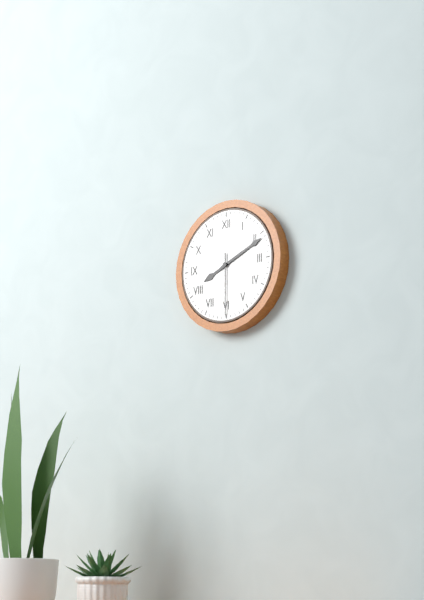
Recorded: 8:11:30
